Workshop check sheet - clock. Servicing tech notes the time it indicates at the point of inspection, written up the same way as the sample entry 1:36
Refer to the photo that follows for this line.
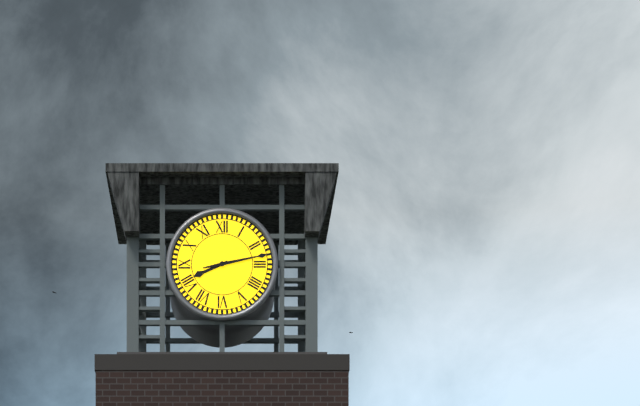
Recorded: 8:13
